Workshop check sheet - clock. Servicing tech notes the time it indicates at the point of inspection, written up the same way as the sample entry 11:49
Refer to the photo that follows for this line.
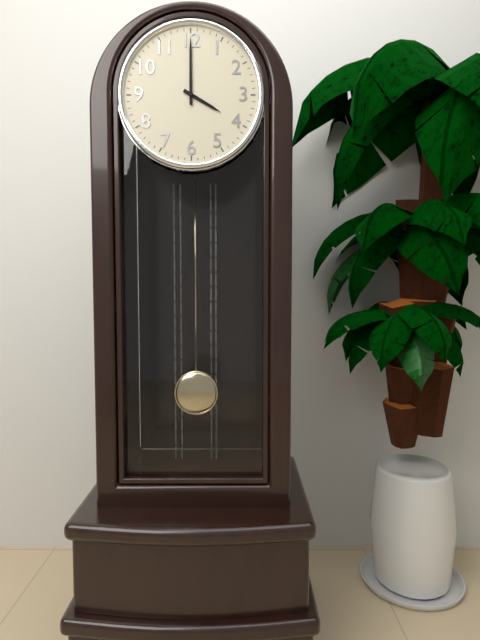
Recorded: 4:00
